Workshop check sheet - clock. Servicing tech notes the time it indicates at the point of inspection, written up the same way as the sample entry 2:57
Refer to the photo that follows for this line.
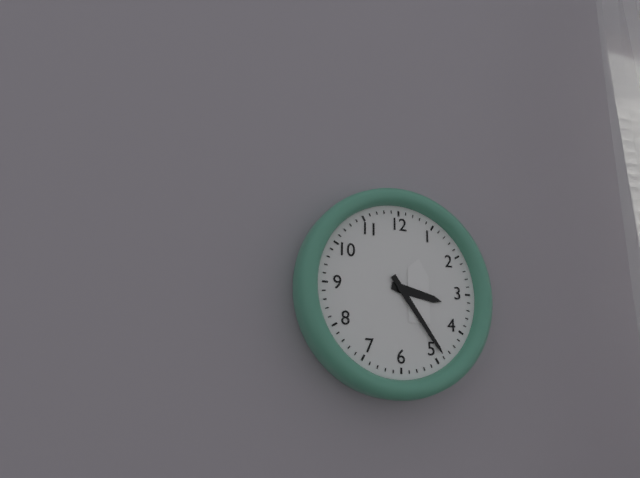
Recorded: 3:24
